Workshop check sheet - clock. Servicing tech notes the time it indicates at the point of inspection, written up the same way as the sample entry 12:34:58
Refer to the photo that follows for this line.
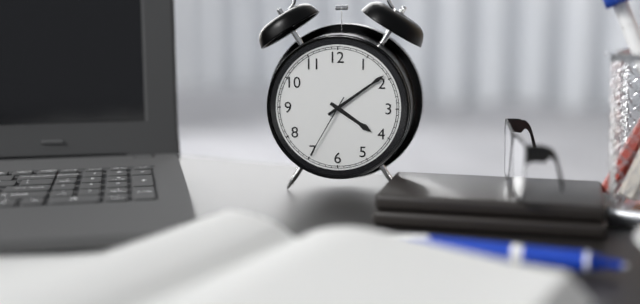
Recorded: 4:09:35
